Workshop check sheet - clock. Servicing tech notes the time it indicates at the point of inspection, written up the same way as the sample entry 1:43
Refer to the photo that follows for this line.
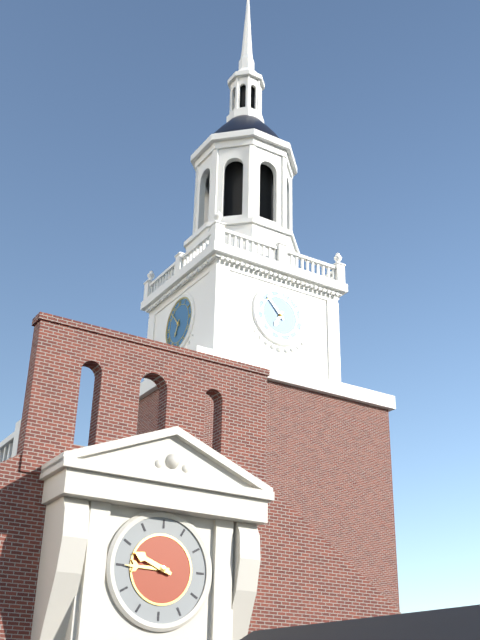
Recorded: 6:53
